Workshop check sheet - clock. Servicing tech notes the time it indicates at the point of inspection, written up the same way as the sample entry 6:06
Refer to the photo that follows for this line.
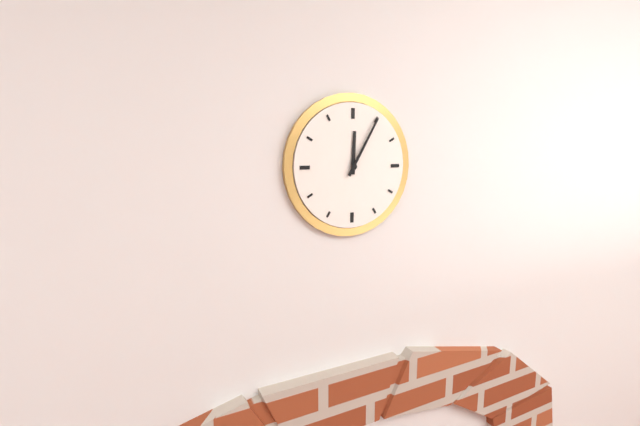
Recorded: 12:05
